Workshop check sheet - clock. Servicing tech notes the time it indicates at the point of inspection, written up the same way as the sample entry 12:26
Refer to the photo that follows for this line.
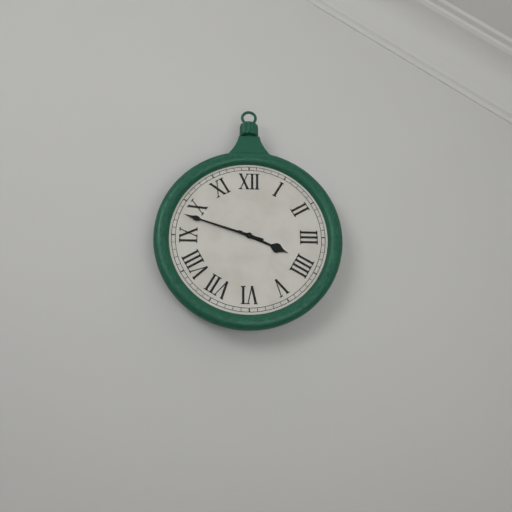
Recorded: 3:48
